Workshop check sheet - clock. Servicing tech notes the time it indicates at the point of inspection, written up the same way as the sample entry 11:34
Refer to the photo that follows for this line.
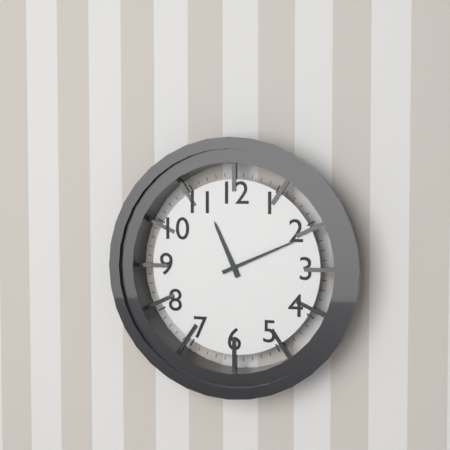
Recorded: 11:11
